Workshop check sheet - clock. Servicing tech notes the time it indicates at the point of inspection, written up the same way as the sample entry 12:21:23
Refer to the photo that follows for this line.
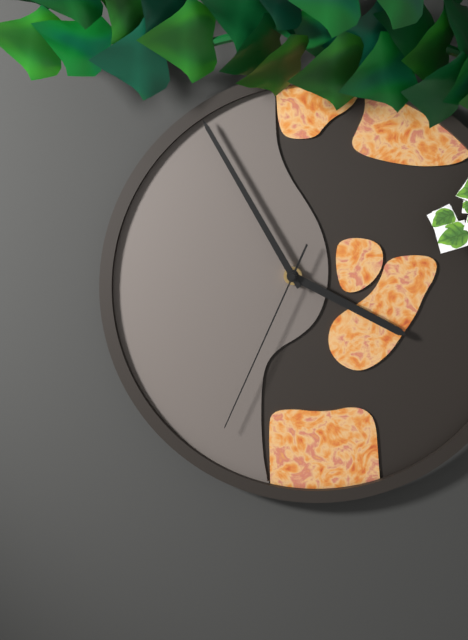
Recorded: 3:55:34
